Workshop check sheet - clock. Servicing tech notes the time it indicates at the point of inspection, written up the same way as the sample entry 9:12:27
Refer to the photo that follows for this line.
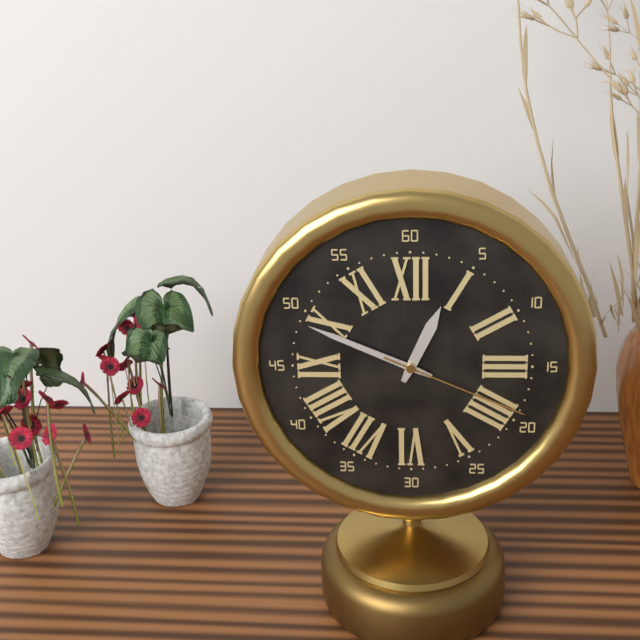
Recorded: 12:49:19
